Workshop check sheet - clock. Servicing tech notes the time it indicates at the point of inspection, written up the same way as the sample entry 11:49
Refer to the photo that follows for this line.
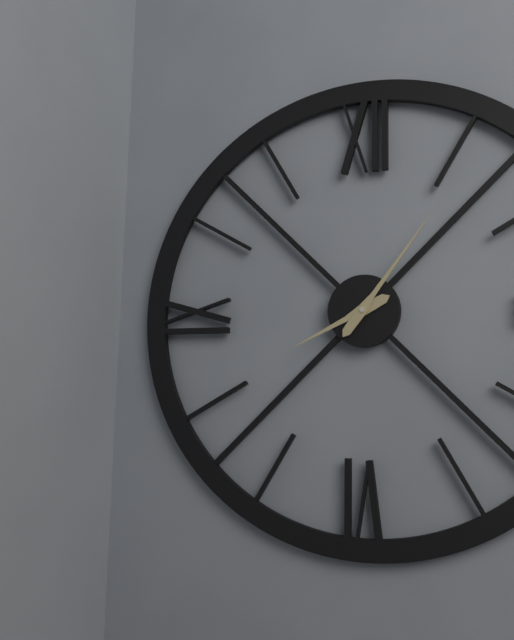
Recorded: 8:06
